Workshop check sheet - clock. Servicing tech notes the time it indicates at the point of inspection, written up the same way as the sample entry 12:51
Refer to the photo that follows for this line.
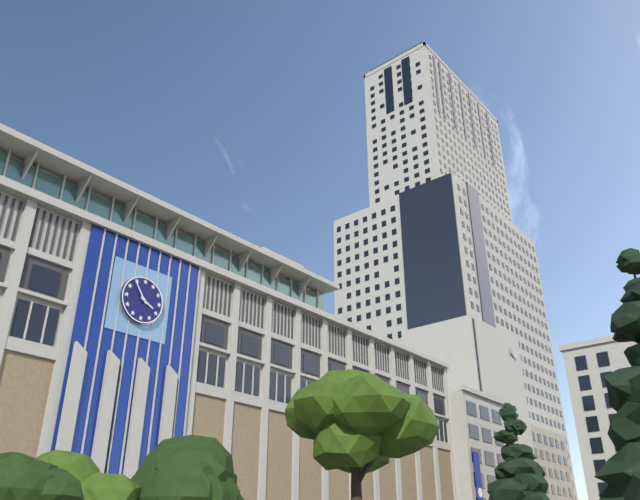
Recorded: 3:54
